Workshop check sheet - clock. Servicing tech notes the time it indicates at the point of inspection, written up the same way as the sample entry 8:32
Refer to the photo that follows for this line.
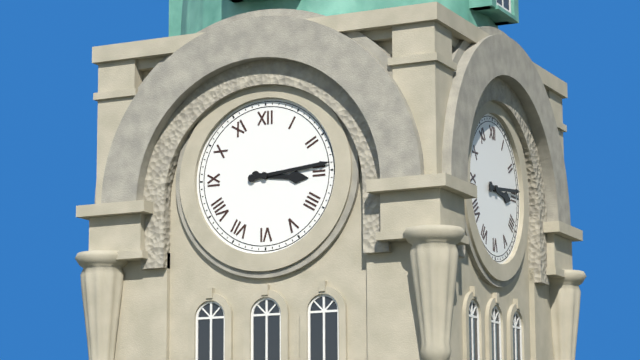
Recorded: 3:14
